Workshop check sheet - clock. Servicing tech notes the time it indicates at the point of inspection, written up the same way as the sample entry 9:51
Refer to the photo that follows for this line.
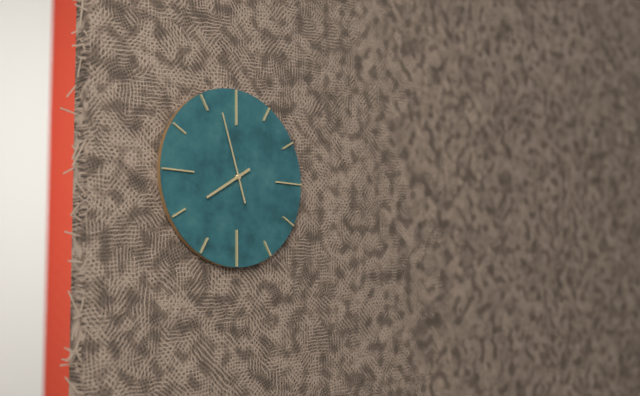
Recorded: 7:57
